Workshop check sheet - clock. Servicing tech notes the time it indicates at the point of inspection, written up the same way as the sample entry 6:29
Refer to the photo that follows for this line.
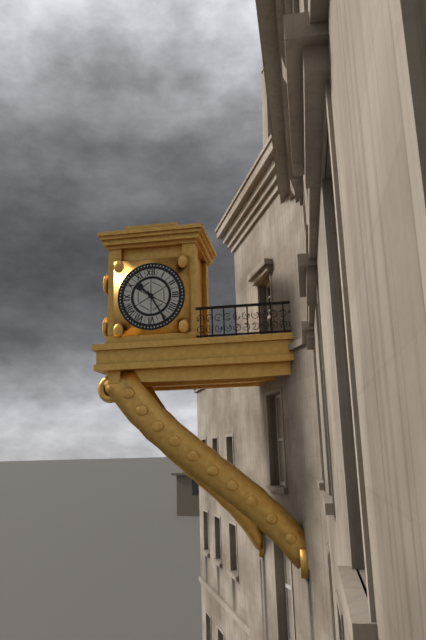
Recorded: 10:25
